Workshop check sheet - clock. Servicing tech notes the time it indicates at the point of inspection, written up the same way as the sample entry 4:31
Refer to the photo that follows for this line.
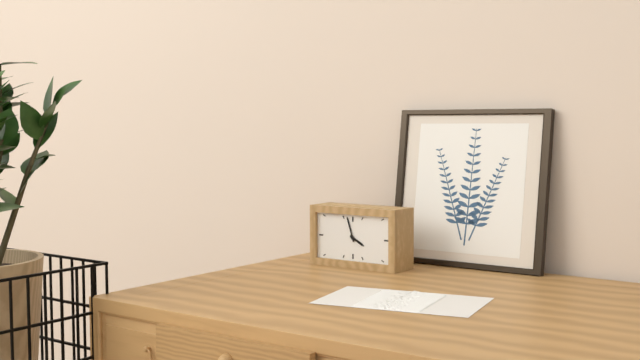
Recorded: 3:57
